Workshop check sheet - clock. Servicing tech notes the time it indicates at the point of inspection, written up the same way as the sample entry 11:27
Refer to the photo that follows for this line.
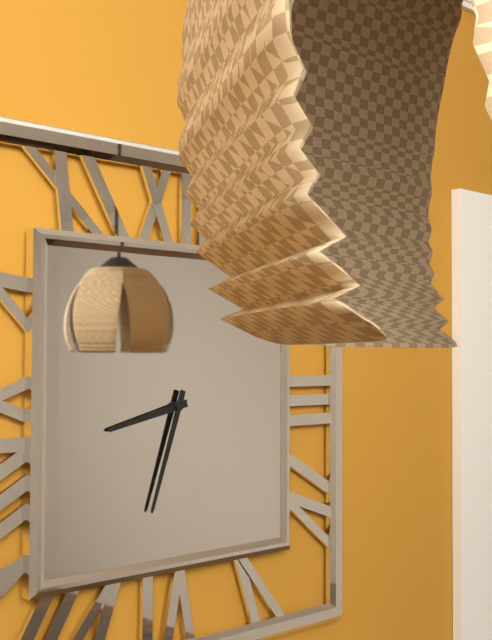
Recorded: 8:33
